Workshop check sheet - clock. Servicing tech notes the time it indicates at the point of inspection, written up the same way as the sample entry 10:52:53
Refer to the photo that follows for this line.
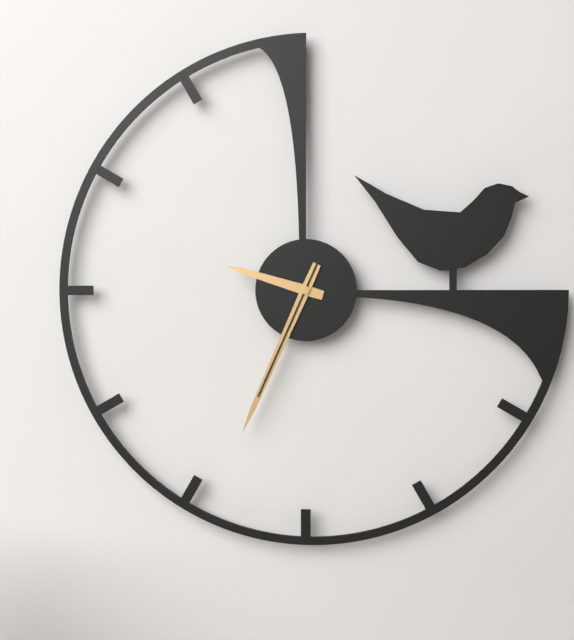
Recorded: 9:34:34
